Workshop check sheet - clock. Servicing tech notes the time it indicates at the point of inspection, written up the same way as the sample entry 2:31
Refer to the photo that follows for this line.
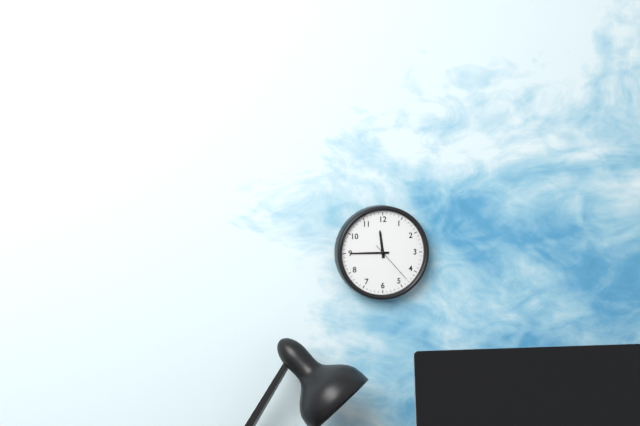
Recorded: 11:45
